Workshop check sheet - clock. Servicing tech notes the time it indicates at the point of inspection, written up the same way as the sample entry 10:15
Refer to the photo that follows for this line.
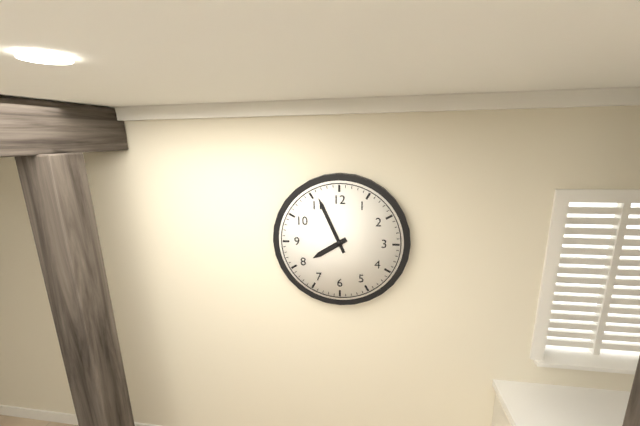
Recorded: 7:56
